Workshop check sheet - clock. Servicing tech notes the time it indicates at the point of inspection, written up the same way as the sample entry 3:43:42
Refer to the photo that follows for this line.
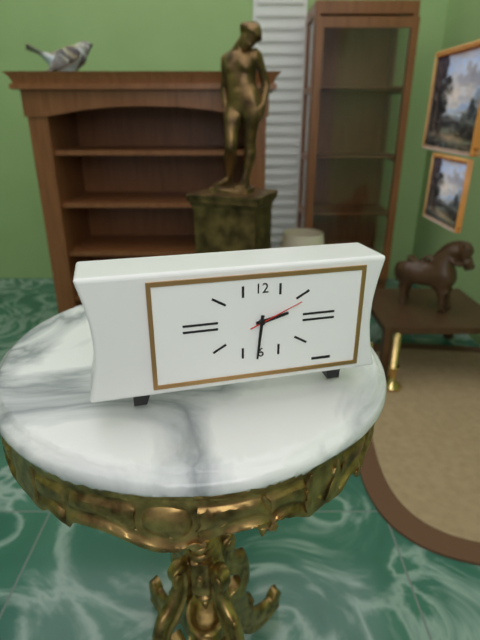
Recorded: 2:31:11
